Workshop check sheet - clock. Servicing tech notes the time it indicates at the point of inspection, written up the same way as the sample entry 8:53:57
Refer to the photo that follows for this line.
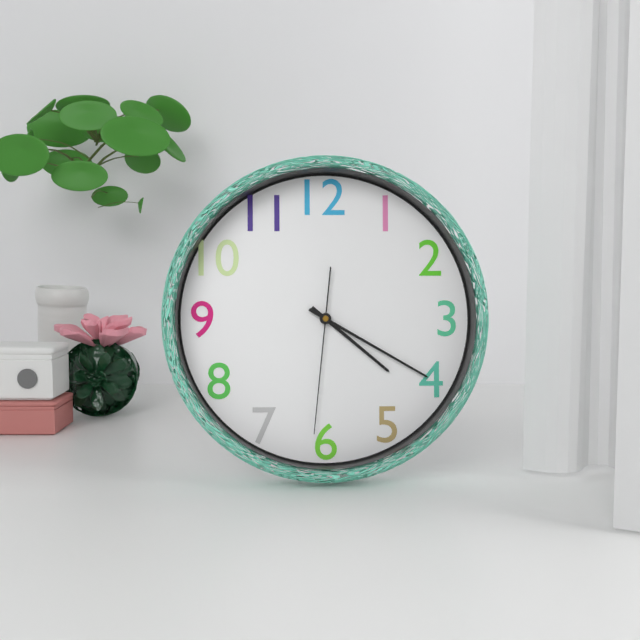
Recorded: 4:20:31
